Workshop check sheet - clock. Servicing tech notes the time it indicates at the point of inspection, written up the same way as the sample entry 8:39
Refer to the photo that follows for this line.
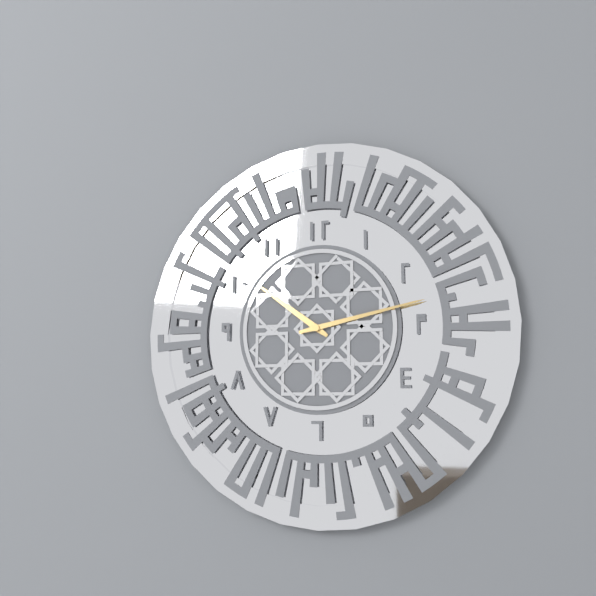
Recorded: 10:13
